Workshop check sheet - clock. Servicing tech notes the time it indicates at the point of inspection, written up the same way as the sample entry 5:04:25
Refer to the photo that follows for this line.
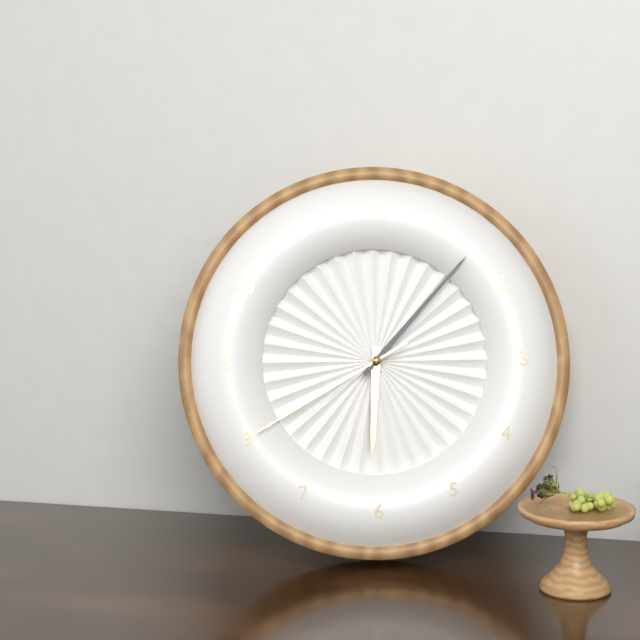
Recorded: 6:07:40
